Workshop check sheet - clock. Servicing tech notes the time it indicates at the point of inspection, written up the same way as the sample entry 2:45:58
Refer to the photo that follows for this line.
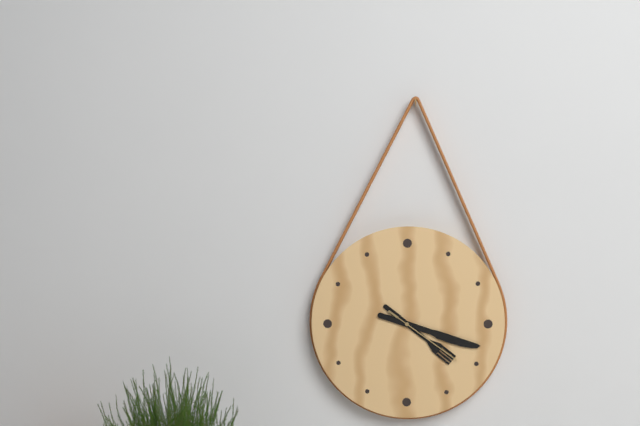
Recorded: 4:18:21
